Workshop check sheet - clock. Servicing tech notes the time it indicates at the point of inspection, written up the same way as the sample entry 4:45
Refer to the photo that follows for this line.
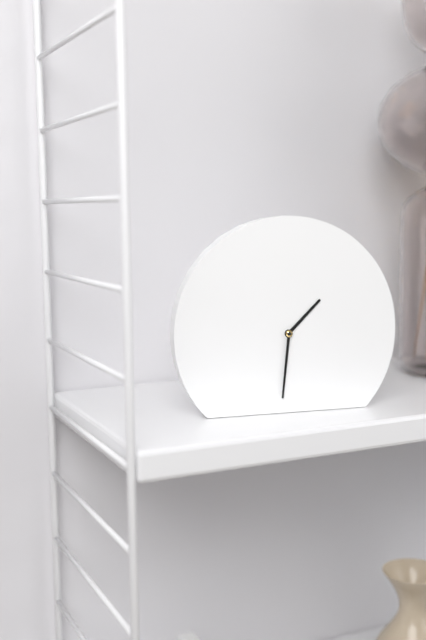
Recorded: 1:31
